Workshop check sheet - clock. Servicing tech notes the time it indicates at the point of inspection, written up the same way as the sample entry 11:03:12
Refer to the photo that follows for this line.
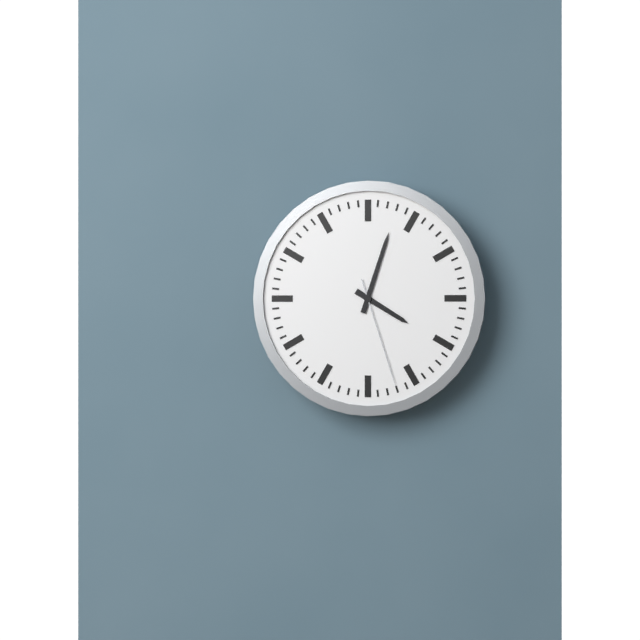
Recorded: 4:03:27
